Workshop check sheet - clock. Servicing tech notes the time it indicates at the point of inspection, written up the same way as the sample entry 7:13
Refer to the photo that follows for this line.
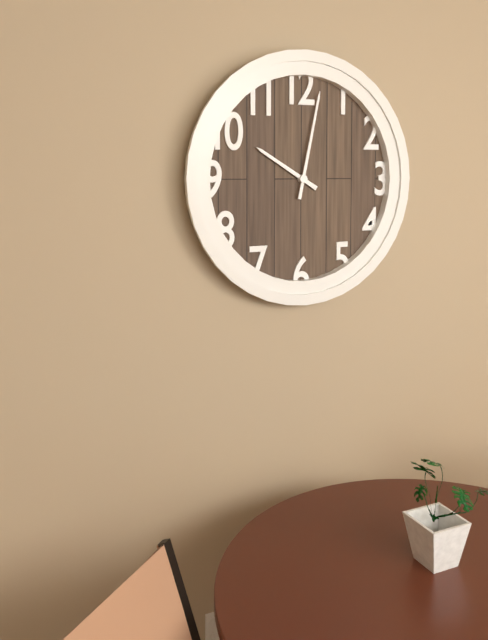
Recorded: 10:02
